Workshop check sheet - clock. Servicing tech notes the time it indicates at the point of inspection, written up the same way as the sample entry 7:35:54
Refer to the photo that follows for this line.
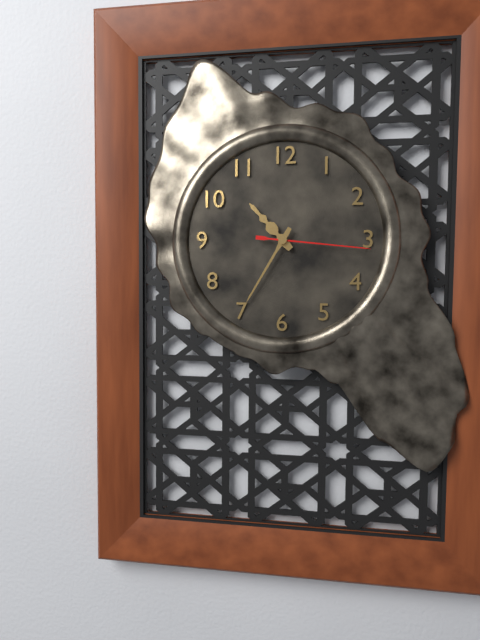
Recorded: 10:35:16
